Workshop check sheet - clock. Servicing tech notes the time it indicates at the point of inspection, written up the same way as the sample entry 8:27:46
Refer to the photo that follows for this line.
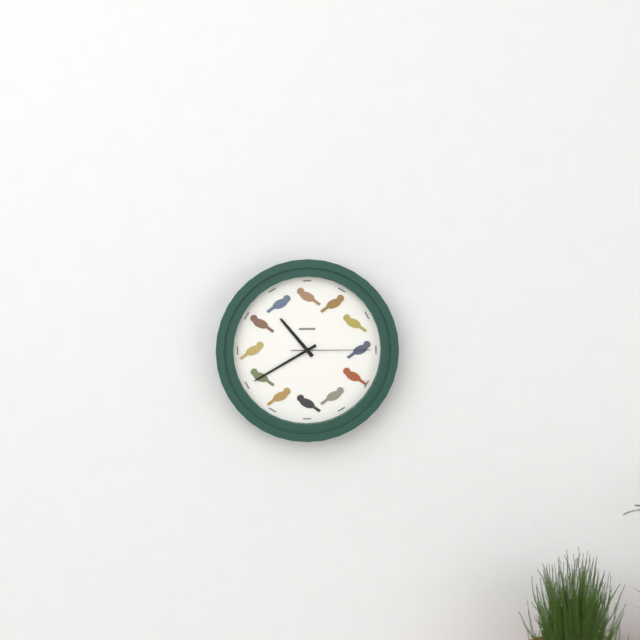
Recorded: 10:40:15
